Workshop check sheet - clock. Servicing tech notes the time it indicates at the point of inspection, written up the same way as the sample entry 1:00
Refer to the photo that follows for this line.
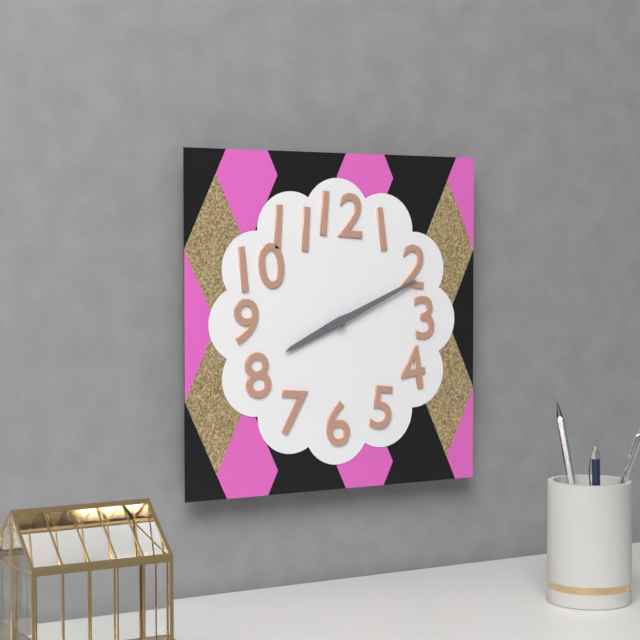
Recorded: 8:11
